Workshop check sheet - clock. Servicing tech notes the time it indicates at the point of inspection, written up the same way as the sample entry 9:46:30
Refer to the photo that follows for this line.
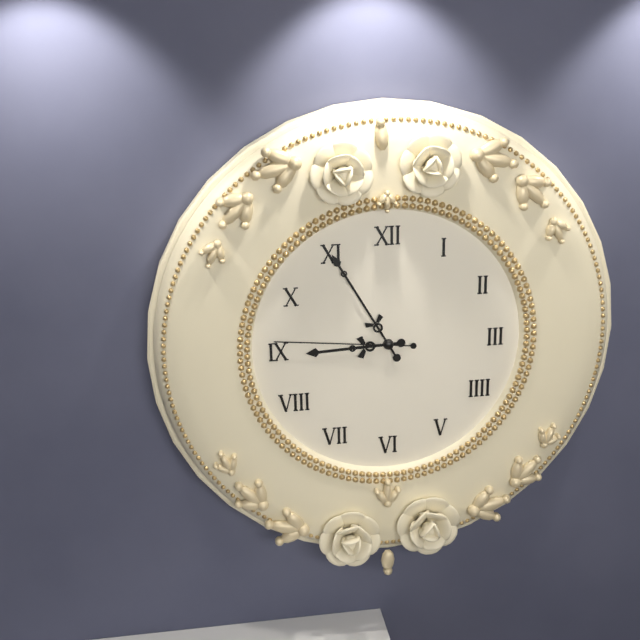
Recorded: 8:55:46
